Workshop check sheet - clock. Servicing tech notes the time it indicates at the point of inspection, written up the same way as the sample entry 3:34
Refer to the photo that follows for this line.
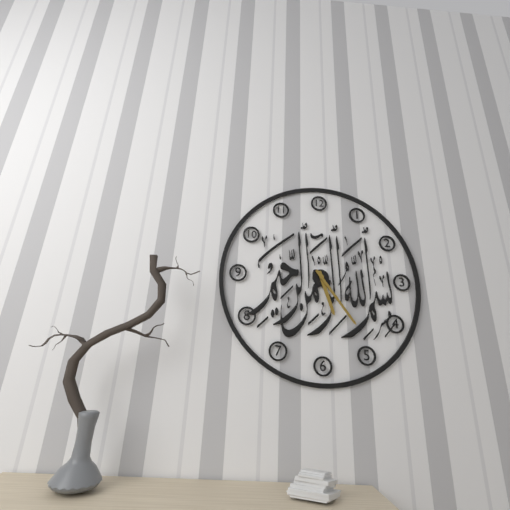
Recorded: 5:24
